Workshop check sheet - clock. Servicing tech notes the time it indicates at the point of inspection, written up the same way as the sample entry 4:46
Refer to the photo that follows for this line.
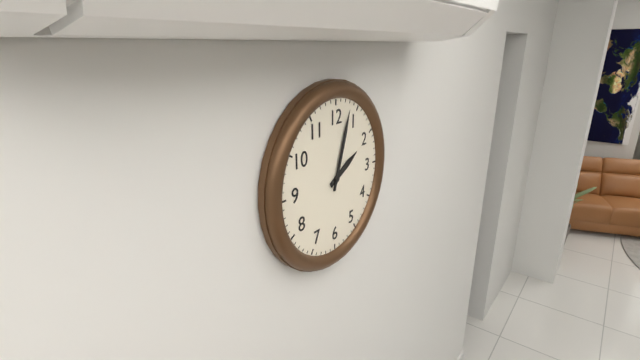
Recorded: 2:03
